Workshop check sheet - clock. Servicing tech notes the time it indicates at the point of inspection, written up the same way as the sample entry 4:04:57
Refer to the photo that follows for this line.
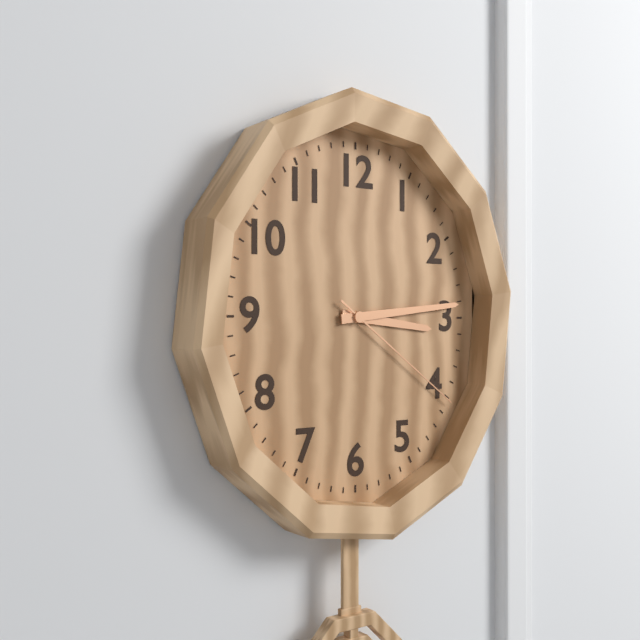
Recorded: 3:14:21
